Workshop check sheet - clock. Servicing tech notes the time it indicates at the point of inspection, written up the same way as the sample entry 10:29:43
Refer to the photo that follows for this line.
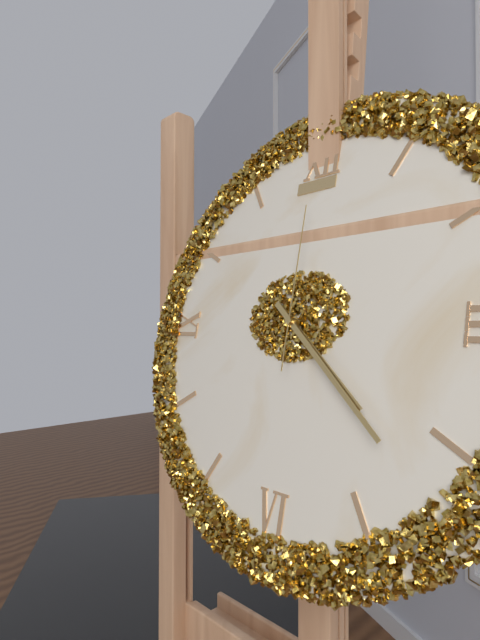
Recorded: 4:22:00
